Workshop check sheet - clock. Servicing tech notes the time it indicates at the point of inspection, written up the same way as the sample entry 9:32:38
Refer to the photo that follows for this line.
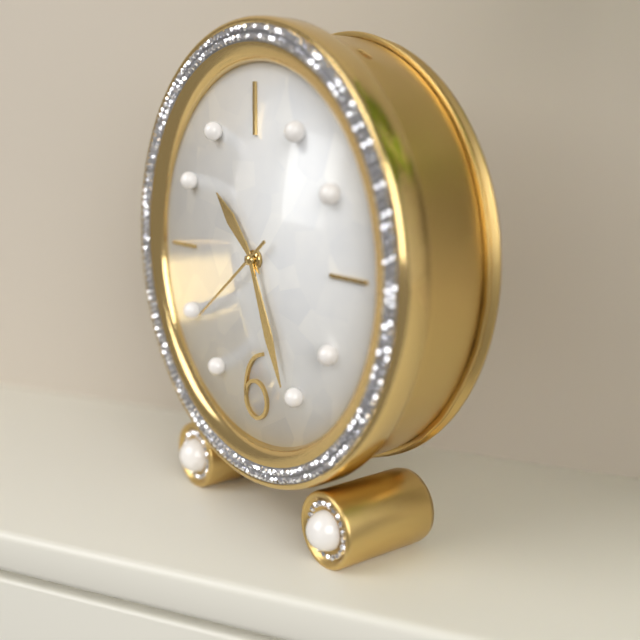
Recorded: 10:26:39
